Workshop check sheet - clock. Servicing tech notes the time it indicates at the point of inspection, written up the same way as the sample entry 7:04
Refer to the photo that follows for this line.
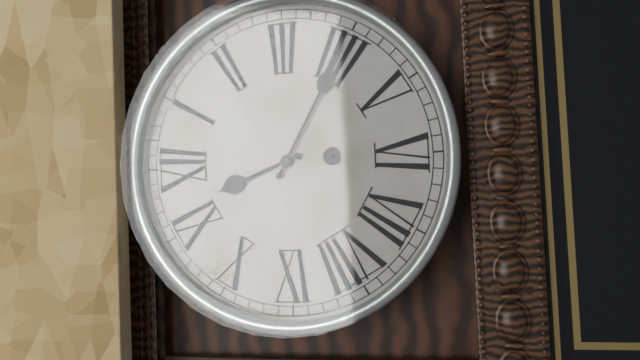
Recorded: 11:20
